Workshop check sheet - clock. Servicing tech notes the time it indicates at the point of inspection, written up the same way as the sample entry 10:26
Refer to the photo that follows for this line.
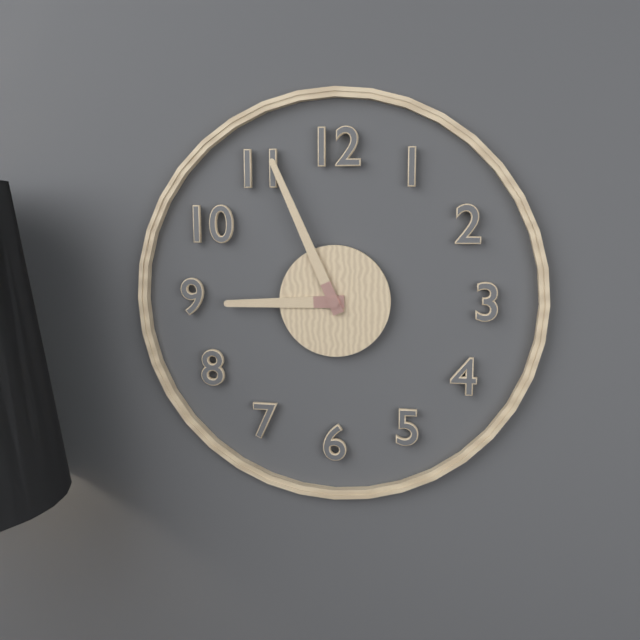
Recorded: 8:56
